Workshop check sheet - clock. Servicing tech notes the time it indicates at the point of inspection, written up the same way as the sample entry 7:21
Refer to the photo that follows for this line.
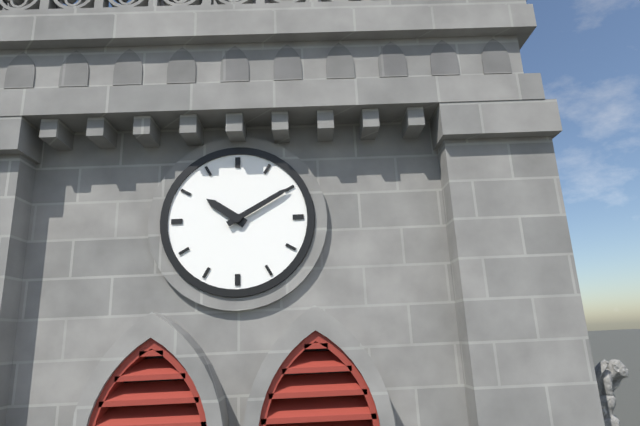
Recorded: 10:10
